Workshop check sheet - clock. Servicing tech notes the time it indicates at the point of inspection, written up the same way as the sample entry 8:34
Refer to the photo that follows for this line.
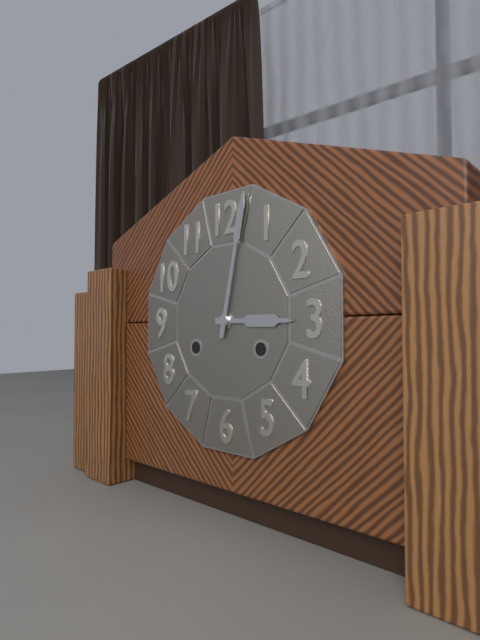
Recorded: 3:02
